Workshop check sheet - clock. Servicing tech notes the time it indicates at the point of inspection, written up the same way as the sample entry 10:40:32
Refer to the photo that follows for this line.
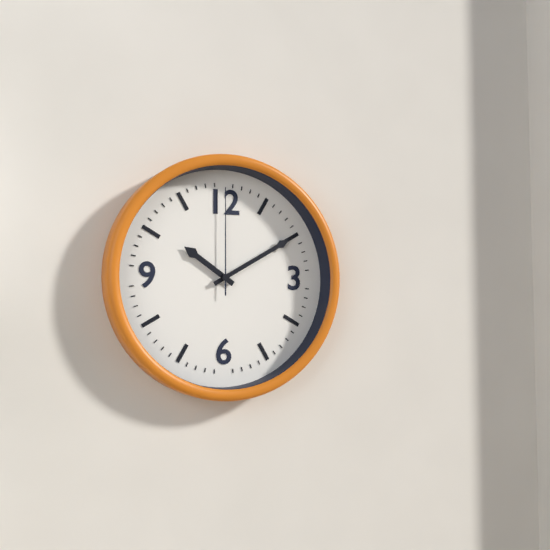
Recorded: 10:10:00
